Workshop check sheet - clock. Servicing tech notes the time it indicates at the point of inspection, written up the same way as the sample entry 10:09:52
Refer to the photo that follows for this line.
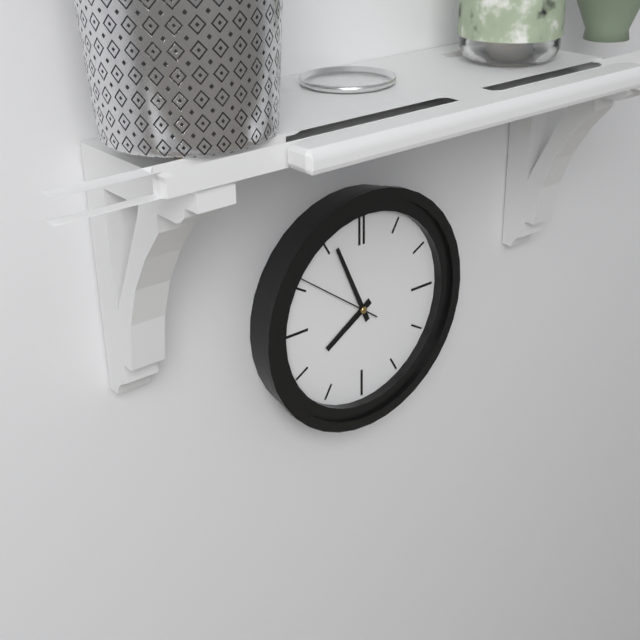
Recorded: 7:56:51
